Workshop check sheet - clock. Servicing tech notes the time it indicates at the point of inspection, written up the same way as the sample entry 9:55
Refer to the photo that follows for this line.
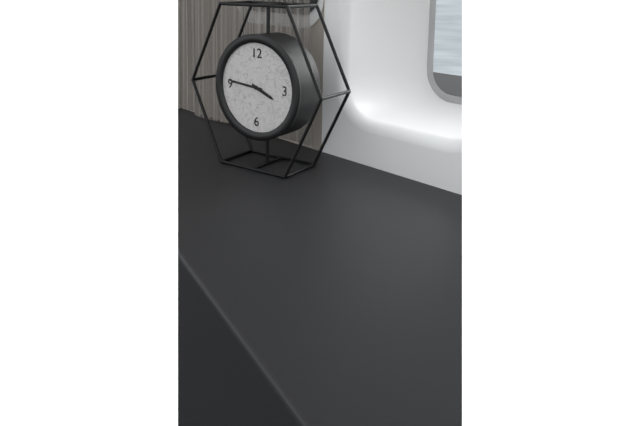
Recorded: 3:46
